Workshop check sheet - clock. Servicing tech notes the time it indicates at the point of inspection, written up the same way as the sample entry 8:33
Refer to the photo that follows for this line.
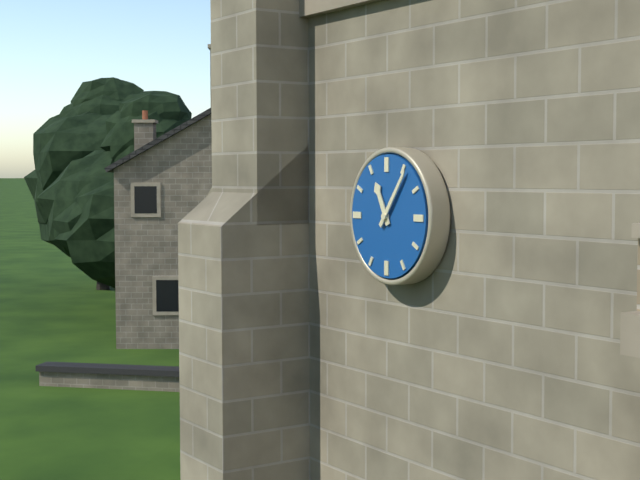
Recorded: 11:06
